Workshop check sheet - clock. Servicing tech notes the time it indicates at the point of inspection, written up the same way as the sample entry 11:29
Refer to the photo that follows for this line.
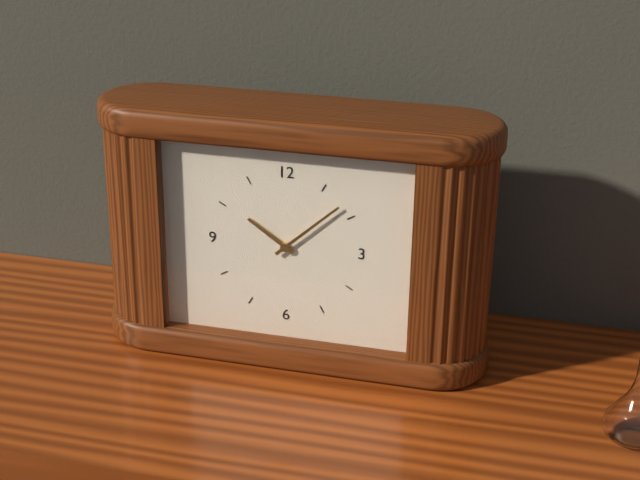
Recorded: 10:08
